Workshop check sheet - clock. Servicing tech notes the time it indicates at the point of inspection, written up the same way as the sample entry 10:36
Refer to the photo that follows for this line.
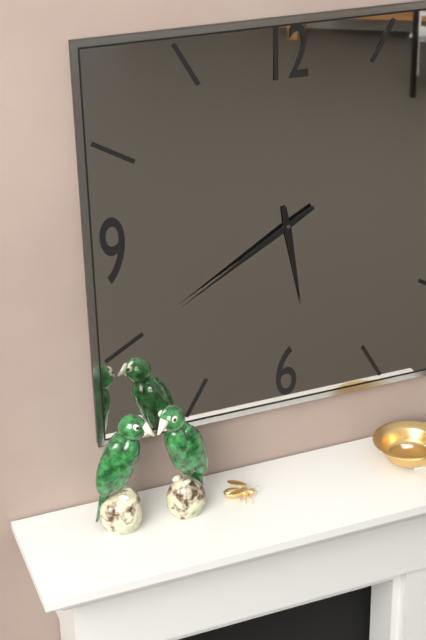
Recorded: 5:40
